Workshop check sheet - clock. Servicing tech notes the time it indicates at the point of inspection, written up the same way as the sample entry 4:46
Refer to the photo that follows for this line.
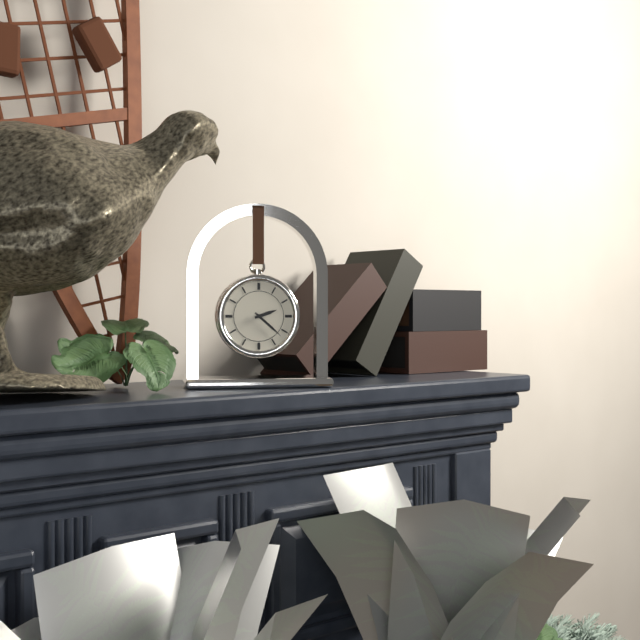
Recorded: 2:22
